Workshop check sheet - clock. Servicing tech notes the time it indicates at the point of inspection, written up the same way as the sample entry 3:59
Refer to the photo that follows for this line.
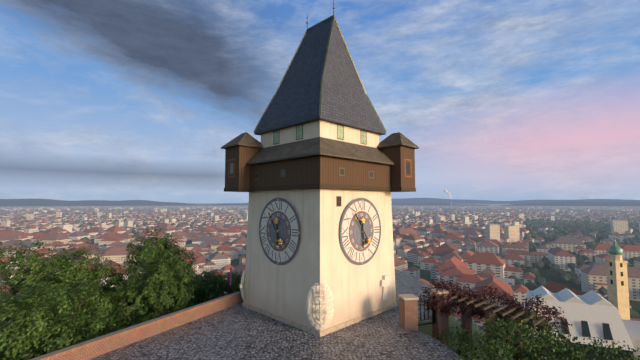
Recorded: 5:54
